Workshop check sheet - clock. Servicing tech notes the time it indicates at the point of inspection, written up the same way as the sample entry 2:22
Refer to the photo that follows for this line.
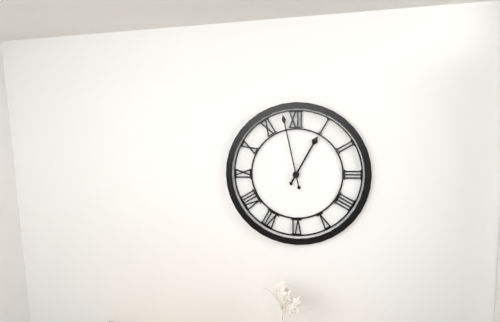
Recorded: 12:58
